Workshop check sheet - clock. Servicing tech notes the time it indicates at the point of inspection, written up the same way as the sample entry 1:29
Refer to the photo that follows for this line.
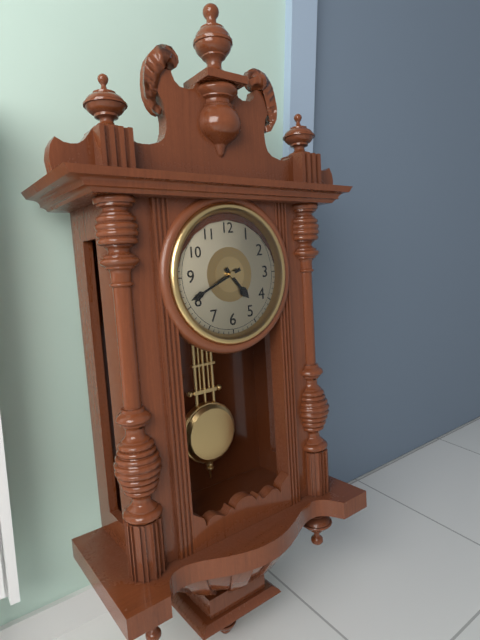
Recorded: 4:41
